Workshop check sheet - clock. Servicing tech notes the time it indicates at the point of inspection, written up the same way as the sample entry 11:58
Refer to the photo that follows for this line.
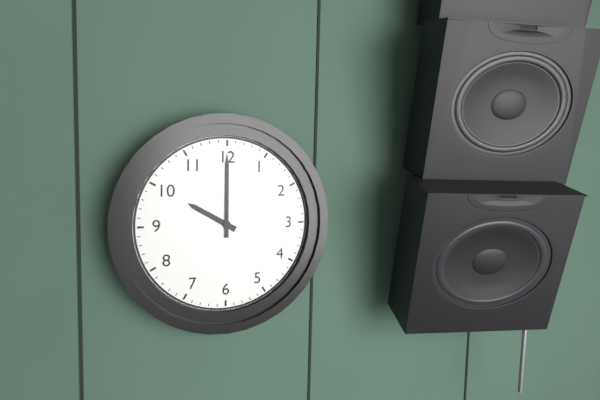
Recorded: 10:00
